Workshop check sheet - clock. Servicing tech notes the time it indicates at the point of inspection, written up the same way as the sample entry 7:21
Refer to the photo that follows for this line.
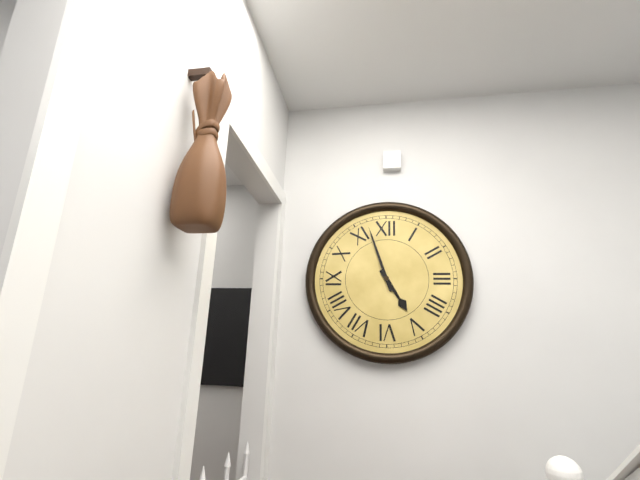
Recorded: 4:57
